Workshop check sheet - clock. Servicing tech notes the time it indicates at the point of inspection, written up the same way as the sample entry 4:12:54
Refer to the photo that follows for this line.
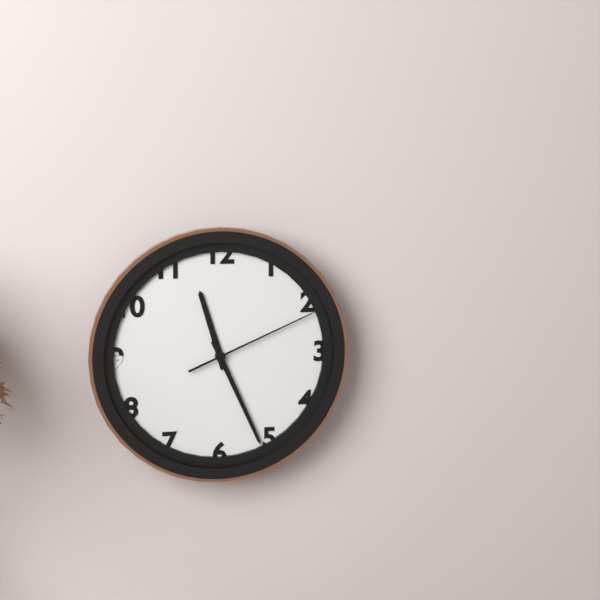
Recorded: 11:26:11
